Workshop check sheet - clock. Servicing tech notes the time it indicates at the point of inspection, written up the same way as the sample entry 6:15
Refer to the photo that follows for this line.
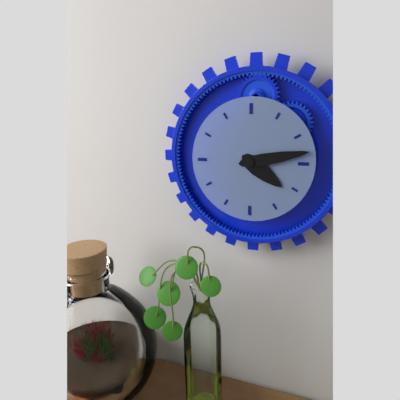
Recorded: 4:13
